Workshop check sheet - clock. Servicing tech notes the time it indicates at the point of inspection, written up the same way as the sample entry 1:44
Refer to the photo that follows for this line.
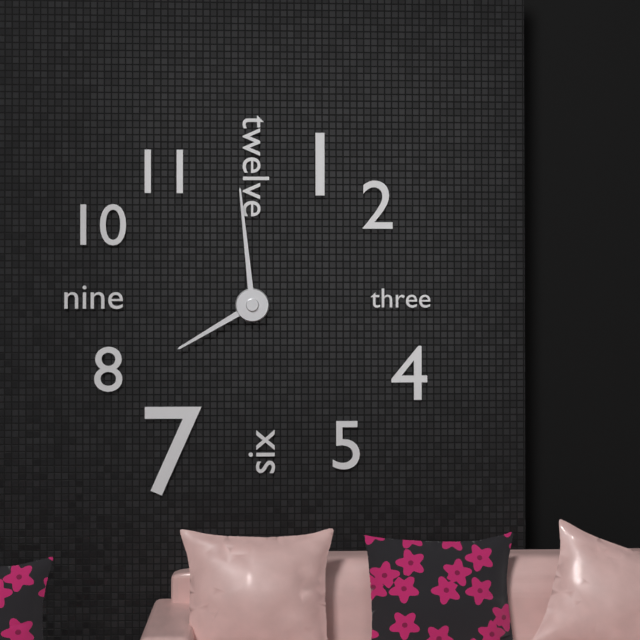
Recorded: 7:59
